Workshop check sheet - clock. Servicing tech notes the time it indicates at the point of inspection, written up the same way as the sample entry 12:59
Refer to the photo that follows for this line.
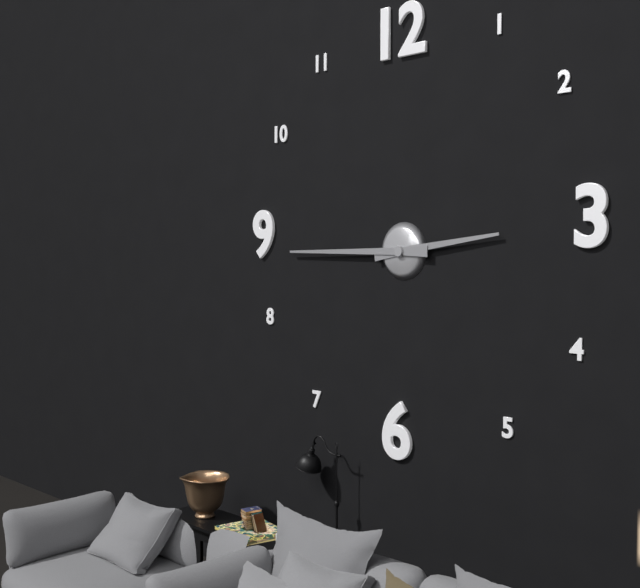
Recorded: 2:45
